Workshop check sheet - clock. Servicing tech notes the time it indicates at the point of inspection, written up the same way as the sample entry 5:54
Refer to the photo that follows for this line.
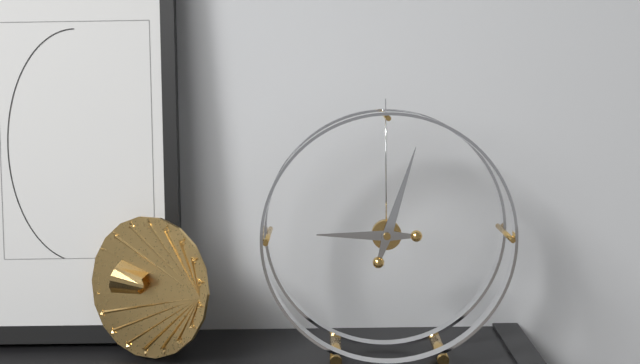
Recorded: 9:03
